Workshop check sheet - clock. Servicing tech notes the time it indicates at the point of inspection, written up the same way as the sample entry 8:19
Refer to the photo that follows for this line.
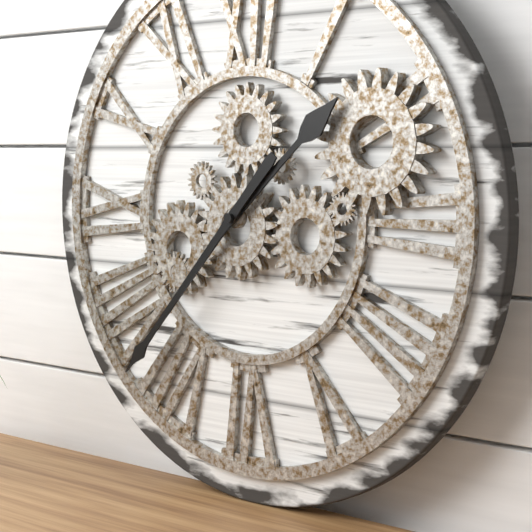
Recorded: 1:37
